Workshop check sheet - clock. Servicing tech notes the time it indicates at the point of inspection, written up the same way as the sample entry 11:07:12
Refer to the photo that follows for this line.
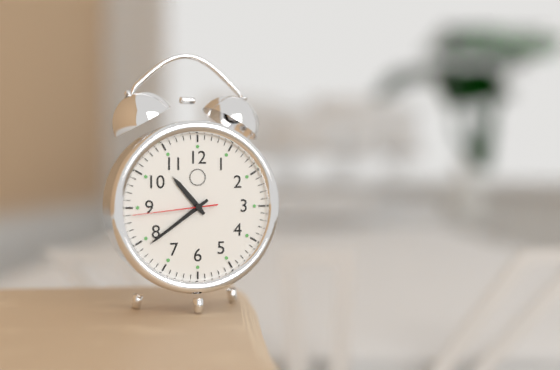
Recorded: 10:39:44
